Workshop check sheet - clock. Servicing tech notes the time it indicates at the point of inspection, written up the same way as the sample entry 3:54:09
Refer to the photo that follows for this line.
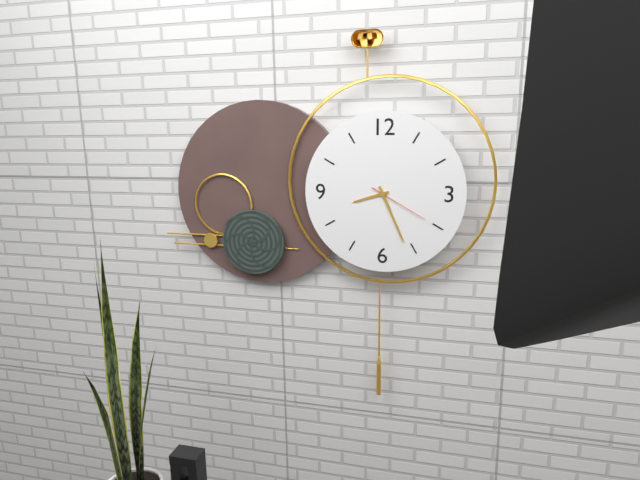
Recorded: 8:26:20
